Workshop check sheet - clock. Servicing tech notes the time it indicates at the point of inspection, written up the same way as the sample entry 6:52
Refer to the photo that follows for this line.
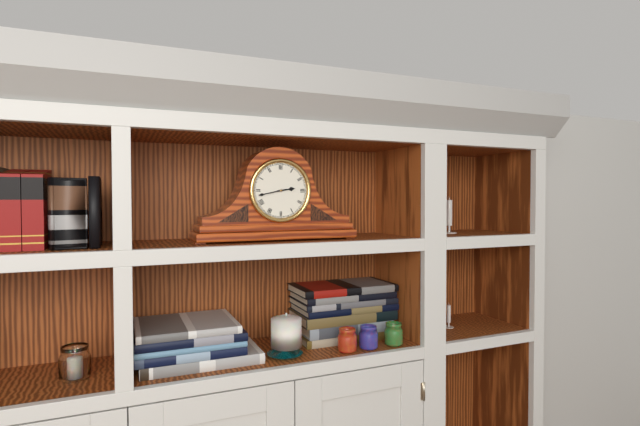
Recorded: 2:43
